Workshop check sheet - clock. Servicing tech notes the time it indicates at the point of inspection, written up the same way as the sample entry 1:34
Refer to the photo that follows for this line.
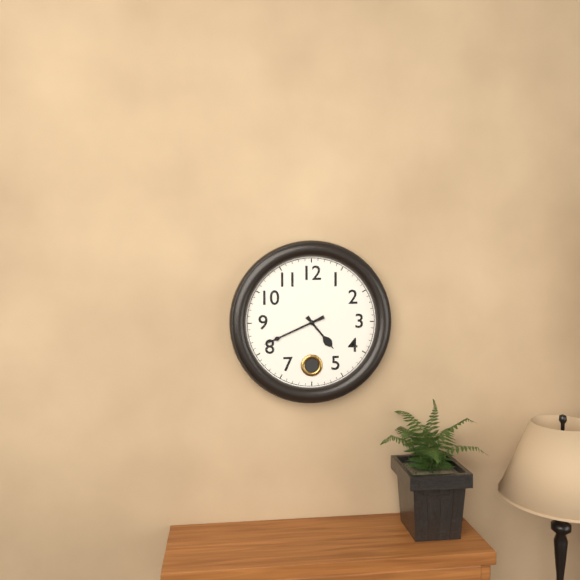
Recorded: 4:41
